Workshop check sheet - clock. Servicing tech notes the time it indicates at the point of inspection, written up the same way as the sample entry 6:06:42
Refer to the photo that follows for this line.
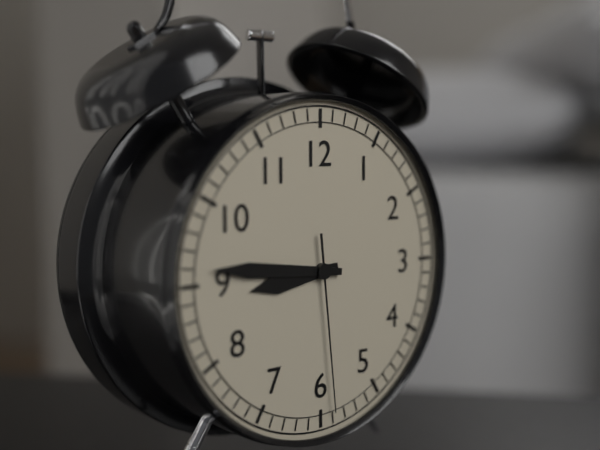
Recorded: 8:46:29
